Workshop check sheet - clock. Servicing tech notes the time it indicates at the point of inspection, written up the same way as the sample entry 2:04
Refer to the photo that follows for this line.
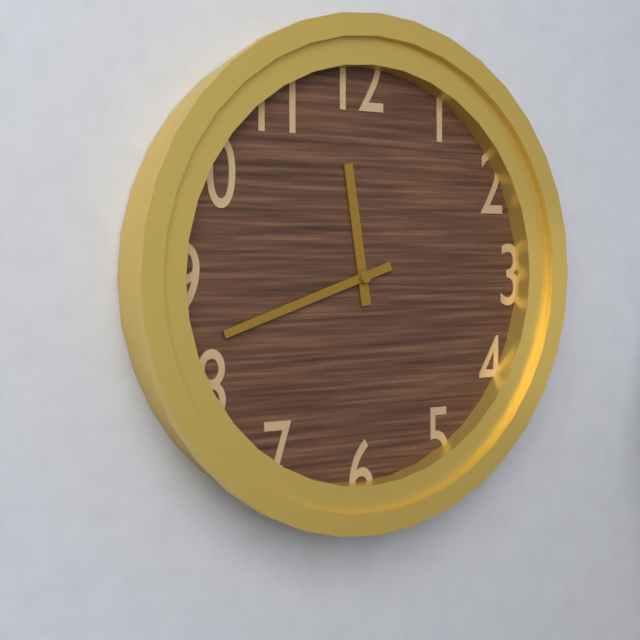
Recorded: 11:42
